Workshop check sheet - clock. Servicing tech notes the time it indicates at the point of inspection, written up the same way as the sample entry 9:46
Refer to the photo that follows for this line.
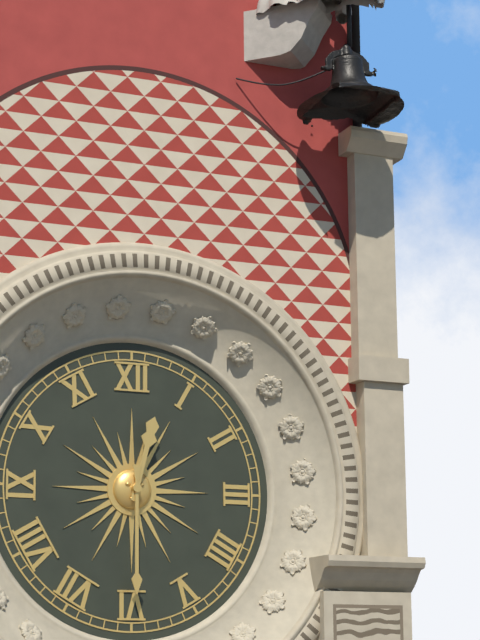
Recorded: 12:30
